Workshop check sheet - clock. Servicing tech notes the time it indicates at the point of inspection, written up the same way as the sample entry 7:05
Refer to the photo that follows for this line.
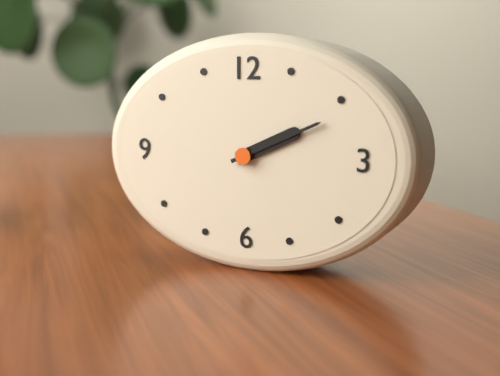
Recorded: 2:11
